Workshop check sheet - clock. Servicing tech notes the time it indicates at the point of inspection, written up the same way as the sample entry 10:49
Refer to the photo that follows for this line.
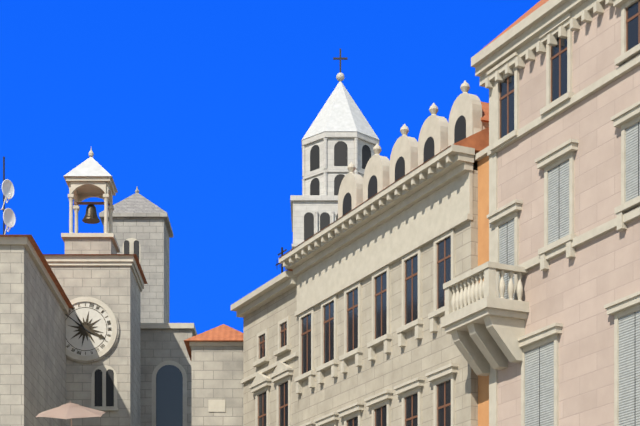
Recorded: 3:51
